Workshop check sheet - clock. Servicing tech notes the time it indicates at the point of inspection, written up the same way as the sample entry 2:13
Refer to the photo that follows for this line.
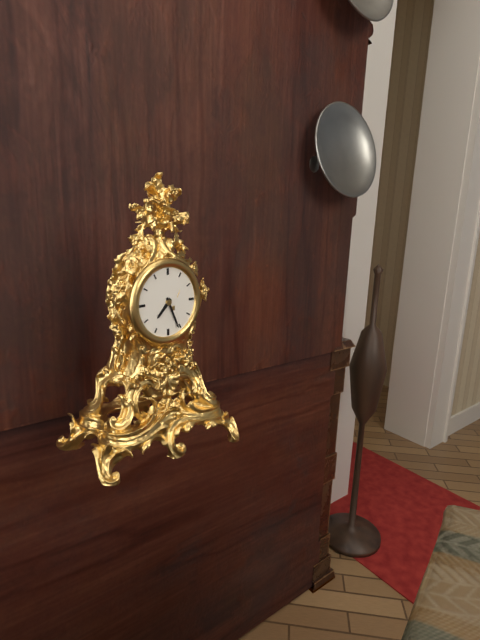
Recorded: 7:26
